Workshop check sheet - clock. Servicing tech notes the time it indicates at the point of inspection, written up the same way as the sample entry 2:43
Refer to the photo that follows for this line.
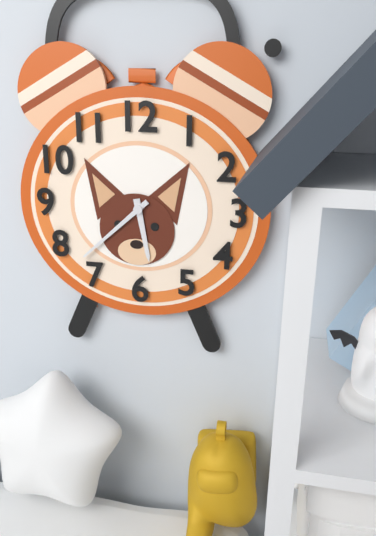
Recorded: 5:38
